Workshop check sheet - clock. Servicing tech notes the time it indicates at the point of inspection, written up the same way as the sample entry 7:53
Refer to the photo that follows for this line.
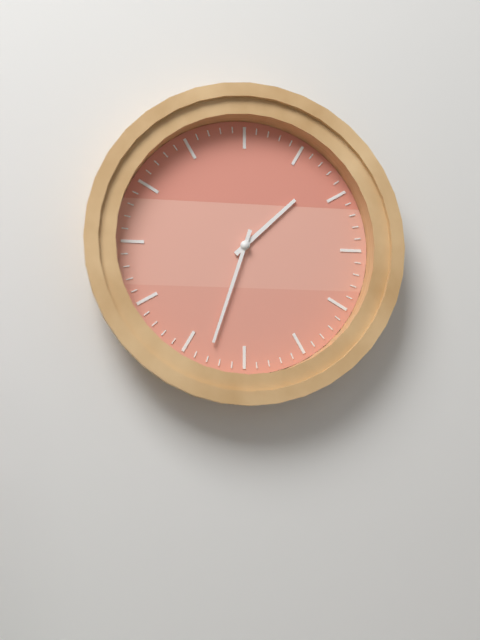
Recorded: 1:33
